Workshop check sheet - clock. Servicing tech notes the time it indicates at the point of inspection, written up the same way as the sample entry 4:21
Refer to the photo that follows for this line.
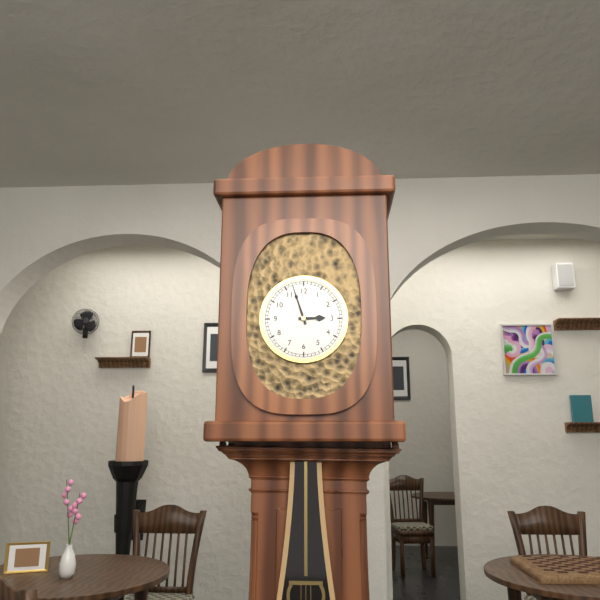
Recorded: 2:57
